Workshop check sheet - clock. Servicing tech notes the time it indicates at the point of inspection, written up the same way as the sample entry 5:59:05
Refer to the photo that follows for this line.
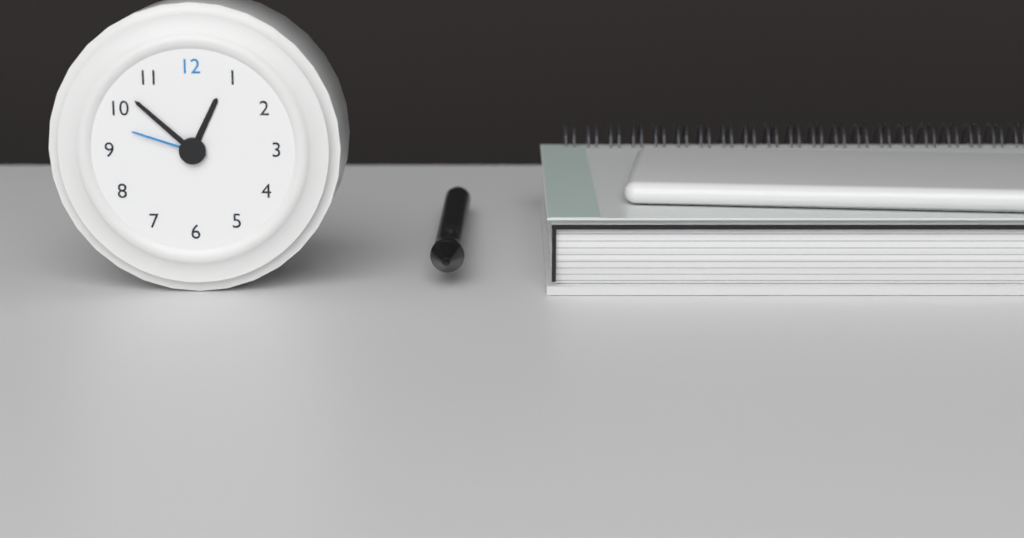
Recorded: 12:52:48
